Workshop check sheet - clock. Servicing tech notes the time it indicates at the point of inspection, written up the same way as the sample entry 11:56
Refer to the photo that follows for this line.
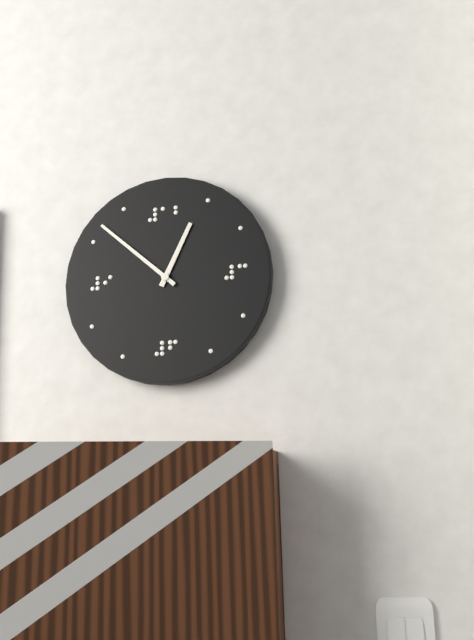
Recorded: 12:52
